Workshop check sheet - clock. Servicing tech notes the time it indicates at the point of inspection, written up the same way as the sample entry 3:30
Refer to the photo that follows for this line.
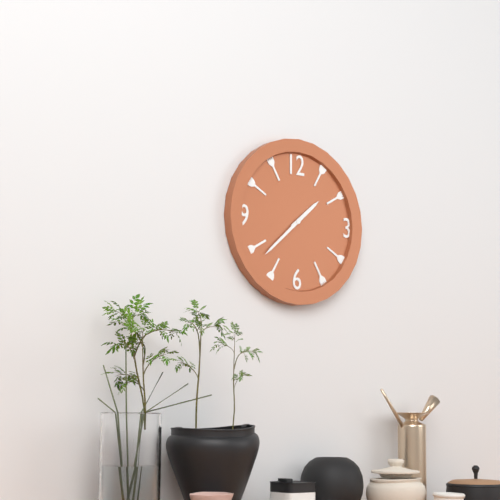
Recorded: 1:38
